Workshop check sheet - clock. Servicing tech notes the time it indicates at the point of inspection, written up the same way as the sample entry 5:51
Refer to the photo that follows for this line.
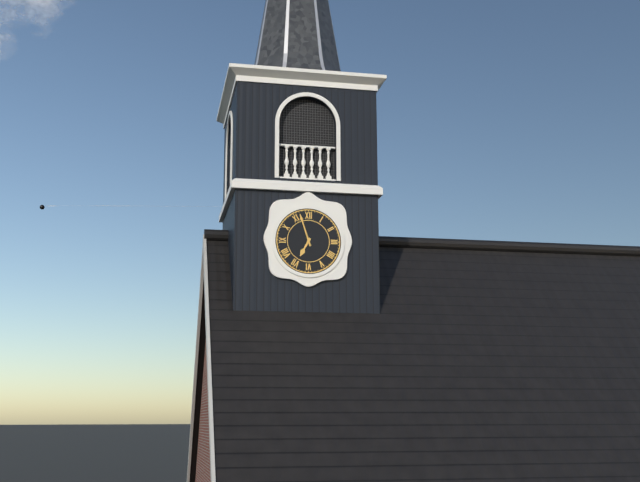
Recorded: 6:57
